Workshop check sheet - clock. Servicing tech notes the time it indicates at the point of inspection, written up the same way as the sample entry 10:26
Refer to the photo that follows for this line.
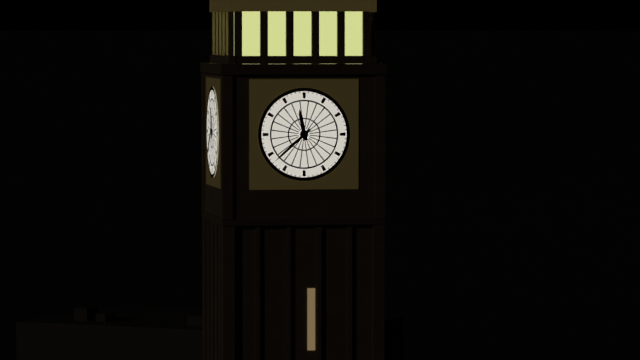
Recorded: 11:38
